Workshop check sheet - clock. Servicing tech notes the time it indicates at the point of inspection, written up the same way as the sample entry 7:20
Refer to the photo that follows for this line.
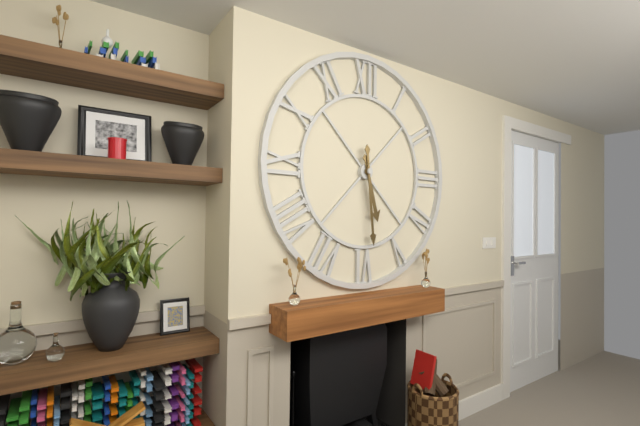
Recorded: 5:29
